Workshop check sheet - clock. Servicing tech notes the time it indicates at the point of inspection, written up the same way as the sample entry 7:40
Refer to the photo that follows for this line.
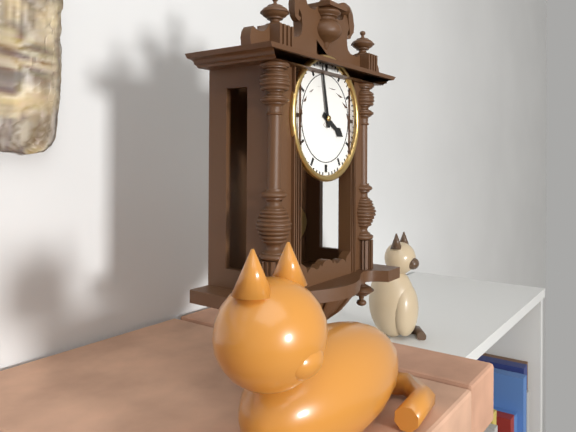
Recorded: 3:58
